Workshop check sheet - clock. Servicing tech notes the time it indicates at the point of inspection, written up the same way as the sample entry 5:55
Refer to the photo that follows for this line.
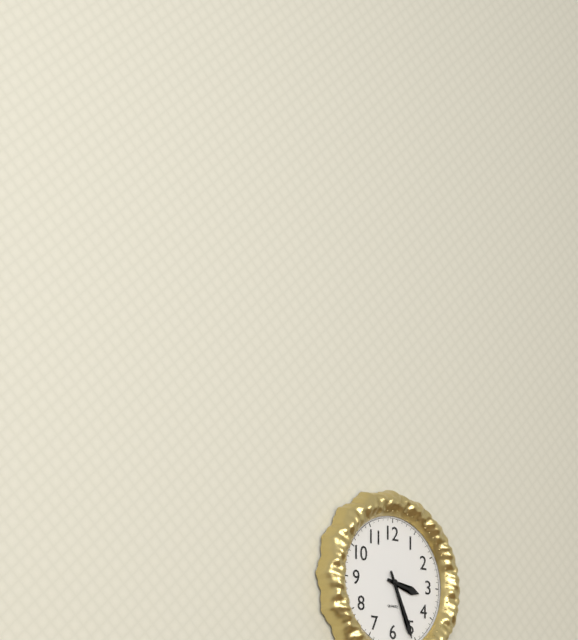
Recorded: 3:26
